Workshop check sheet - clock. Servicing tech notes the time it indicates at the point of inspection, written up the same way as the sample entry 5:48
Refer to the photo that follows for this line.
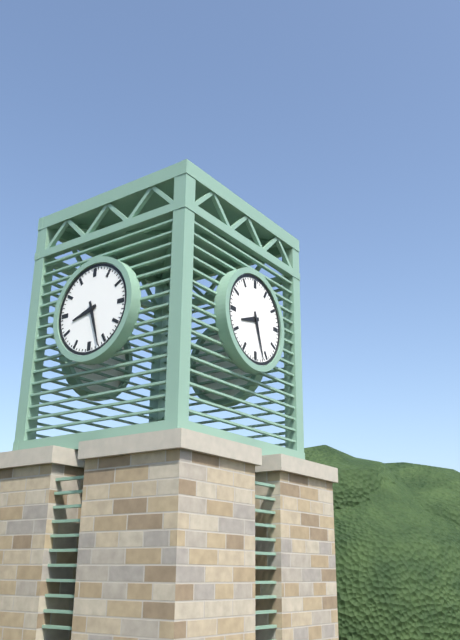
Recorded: 8:27
